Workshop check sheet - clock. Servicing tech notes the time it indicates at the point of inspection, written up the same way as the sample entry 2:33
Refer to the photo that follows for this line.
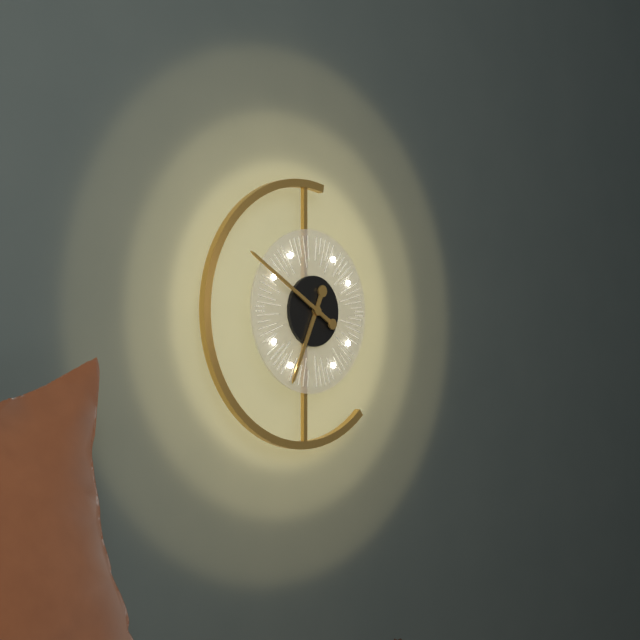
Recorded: 6:50
